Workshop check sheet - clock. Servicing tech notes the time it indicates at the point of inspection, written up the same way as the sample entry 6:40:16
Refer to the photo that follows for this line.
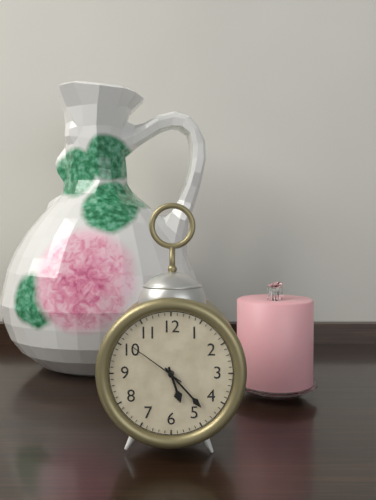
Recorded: 5:23:51
